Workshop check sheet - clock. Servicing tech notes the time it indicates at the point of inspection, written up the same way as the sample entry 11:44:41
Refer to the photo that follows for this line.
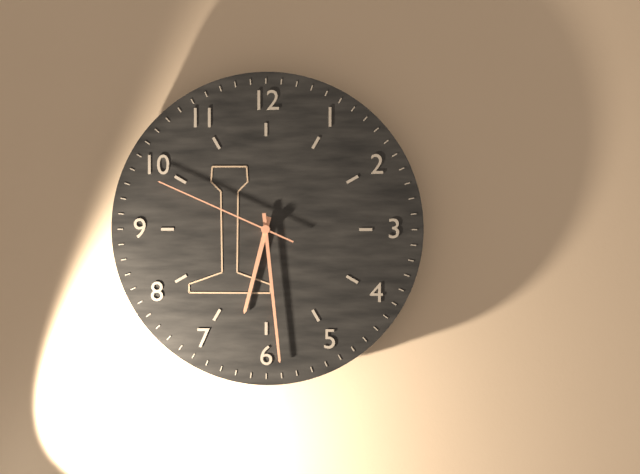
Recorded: 6:29:49
